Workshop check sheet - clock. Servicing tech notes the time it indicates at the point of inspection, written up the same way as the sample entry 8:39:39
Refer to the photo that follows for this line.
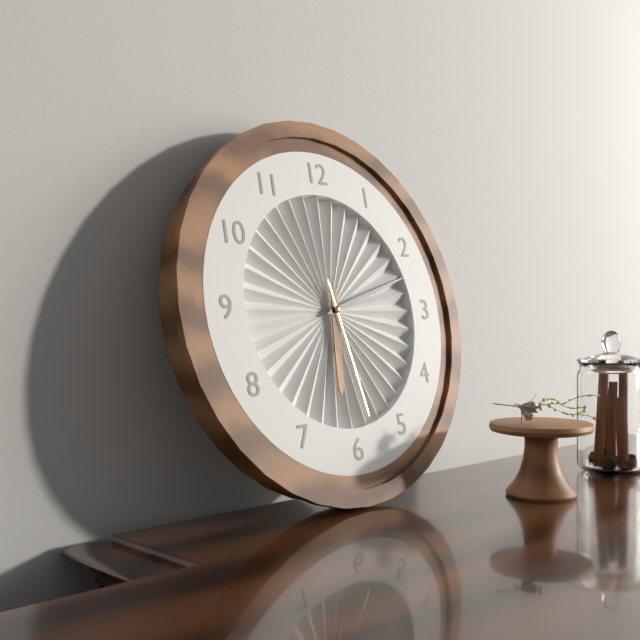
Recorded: 6:12:28
